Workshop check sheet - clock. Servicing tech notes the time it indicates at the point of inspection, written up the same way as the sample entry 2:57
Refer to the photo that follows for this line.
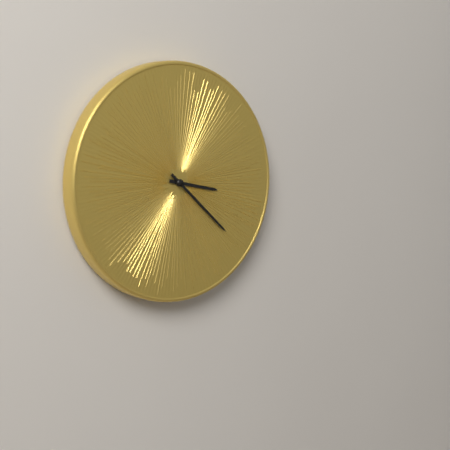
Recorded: 3:22
